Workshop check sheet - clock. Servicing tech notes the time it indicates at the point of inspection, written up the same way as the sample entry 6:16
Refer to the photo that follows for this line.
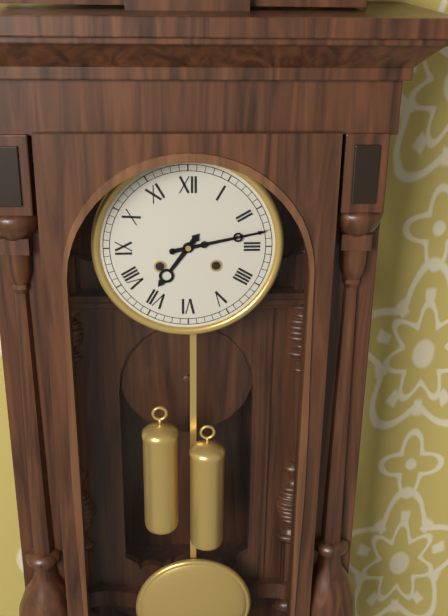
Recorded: 7:13
